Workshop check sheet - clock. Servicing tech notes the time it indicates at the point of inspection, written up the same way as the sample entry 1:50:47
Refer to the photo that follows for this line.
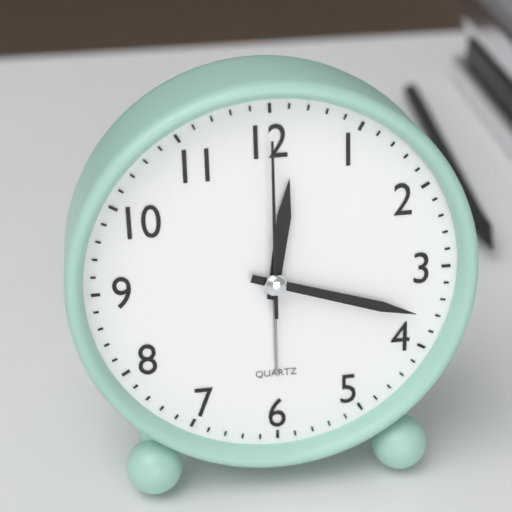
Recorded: 12:18:00
